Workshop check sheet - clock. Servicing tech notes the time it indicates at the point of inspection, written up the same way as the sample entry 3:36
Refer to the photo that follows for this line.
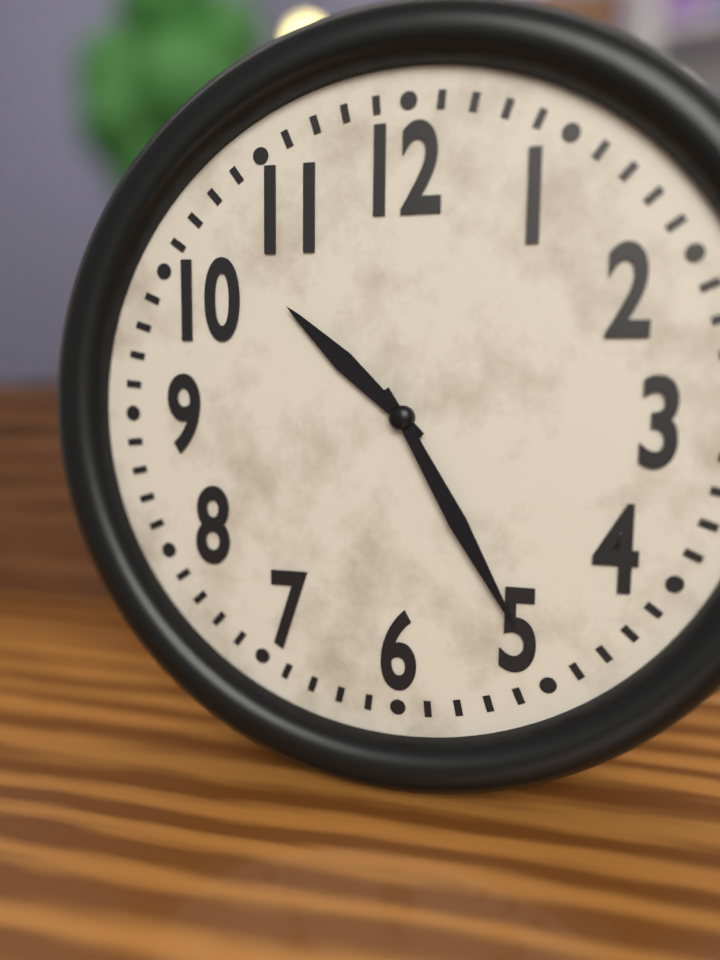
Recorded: 10:25
